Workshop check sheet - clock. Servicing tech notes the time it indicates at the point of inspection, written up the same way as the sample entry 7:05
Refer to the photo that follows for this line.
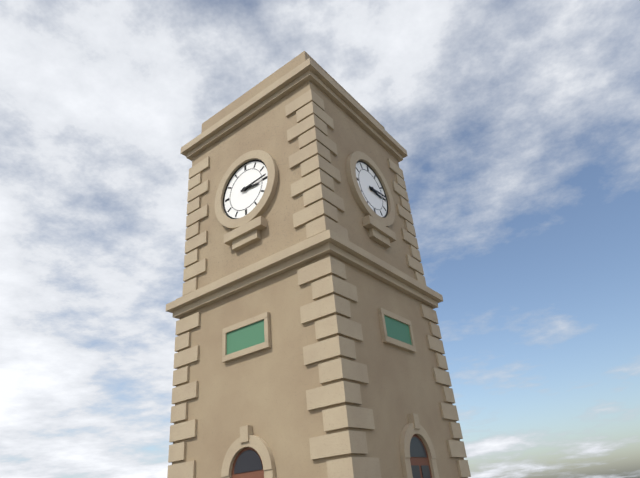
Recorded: 3:14
